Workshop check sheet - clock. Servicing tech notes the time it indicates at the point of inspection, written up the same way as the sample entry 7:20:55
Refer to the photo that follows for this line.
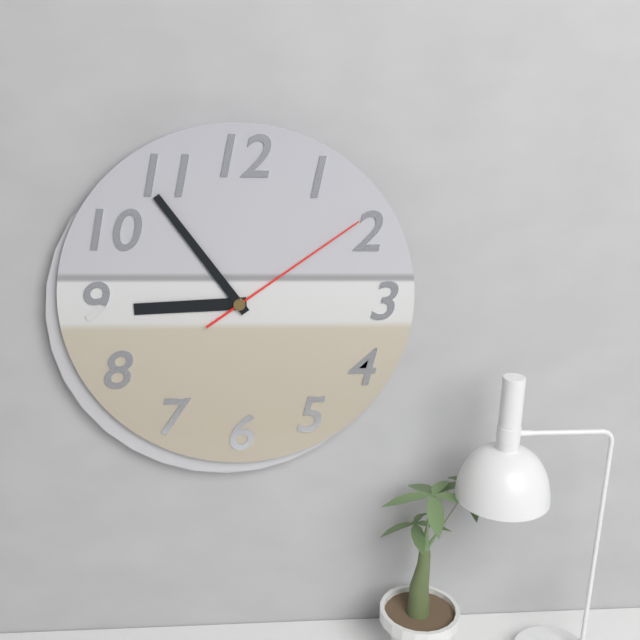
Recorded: 8:54:09
